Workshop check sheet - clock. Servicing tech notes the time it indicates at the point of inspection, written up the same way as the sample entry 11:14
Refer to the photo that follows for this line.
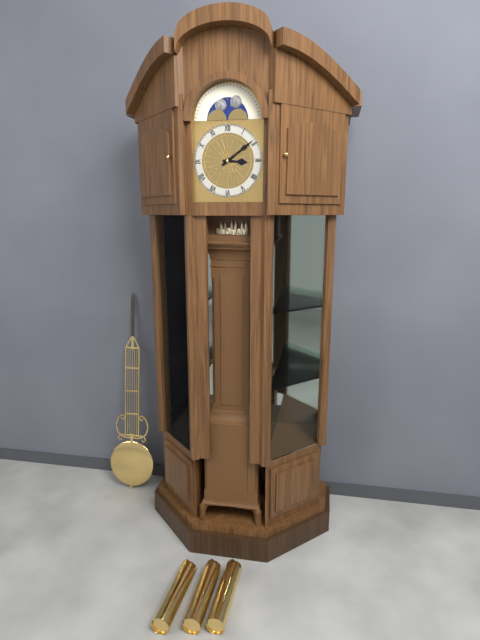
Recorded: 3:09
